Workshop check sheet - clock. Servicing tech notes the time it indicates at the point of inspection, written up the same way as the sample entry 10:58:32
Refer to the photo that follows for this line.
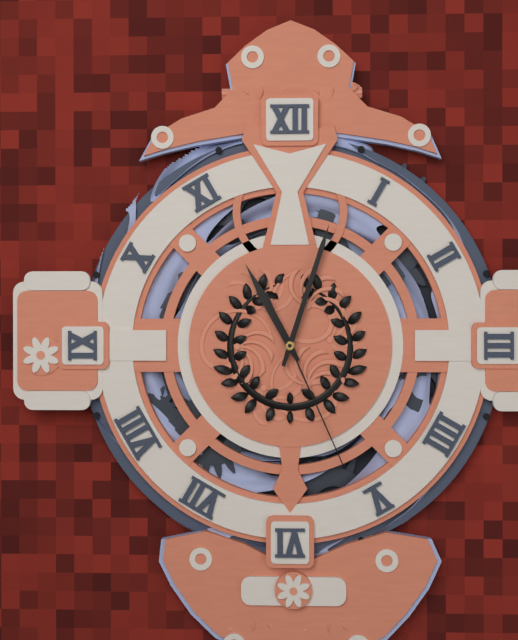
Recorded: 11:03:26
